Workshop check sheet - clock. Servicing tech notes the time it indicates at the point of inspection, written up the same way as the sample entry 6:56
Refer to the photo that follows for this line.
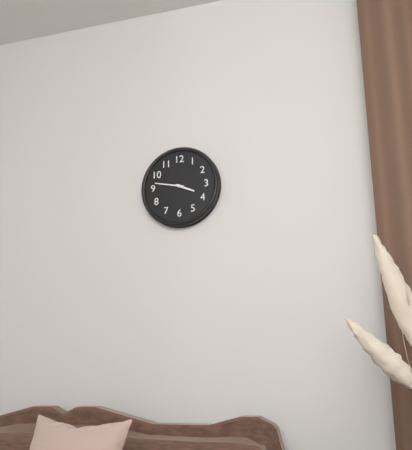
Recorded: 3:47
